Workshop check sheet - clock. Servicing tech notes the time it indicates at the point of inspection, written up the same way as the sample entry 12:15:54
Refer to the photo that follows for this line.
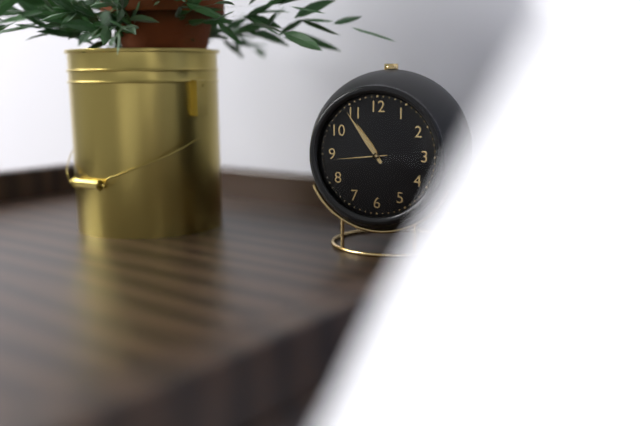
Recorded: 10:54:44
